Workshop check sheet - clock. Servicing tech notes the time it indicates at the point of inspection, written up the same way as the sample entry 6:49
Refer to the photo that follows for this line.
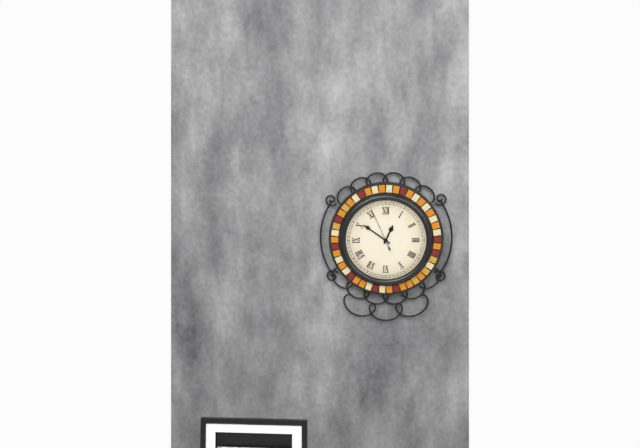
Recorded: 12:51
